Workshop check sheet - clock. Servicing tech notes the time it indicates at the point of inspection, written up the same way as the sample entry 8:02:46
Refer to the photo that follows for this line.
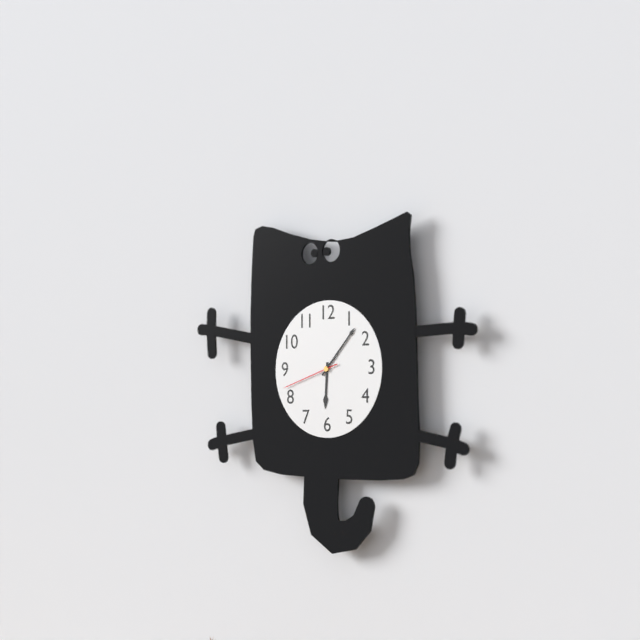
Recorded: 6:07:42
